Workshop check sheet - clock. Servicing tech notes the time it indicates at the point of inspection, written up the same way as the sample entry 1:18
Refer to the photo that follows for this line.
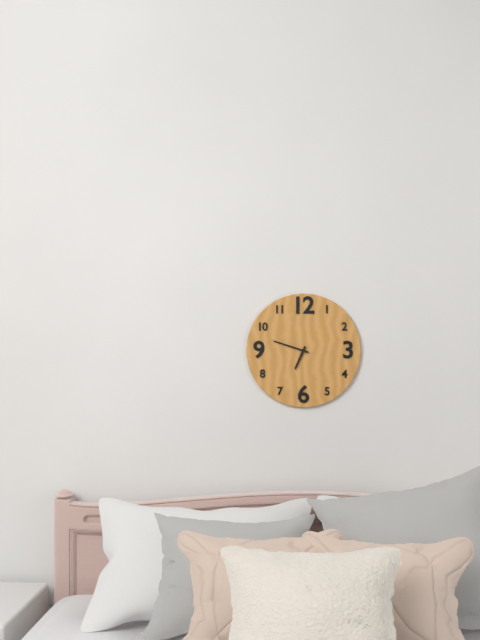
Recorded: 6:48
